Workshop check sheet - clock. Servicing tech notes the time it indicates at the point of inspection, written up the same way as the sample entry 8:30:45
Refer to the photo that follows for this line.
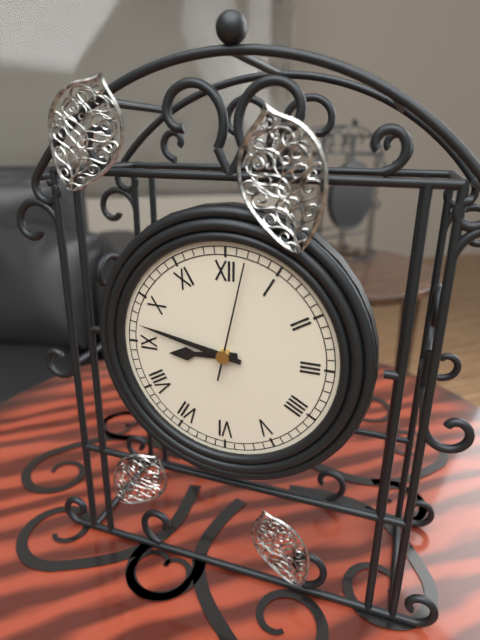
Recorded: 8:47:02
